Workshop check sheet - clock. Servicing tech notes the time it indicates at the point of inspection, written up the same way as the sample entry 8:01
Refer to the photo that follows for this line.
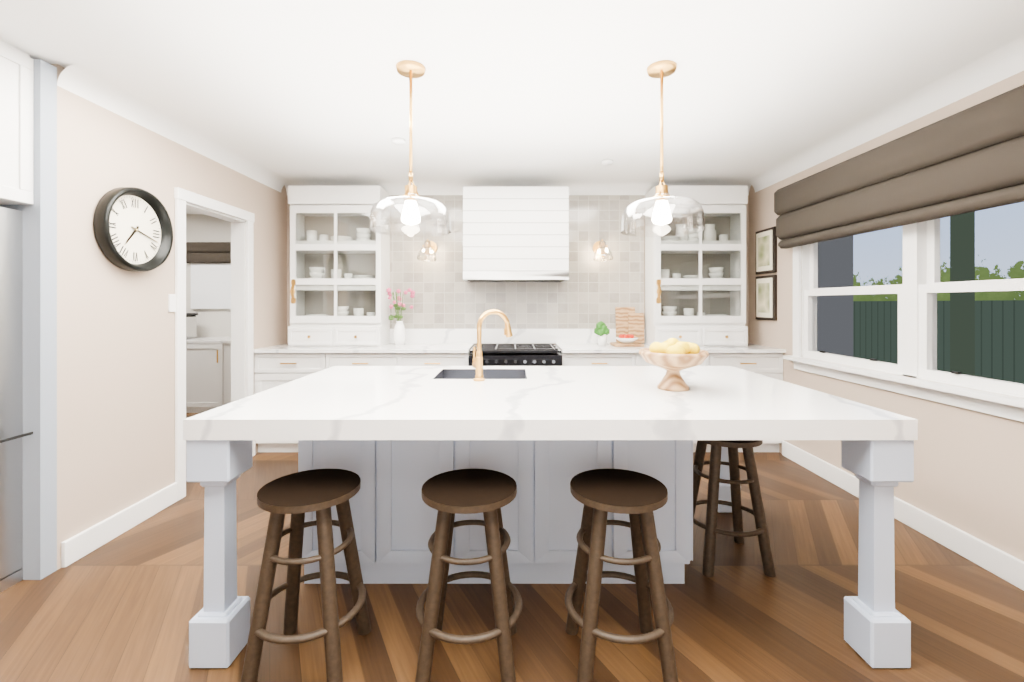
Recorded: 7:18
